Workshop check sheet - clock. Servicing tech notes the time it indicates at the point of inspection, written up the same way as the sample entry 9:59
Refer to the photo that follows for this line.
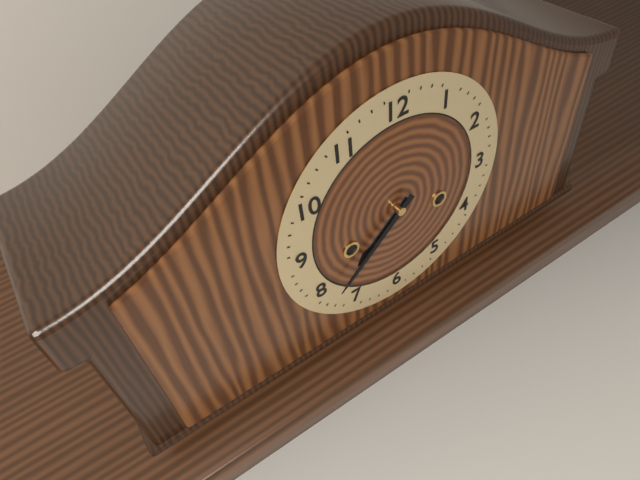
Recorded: 7:38
